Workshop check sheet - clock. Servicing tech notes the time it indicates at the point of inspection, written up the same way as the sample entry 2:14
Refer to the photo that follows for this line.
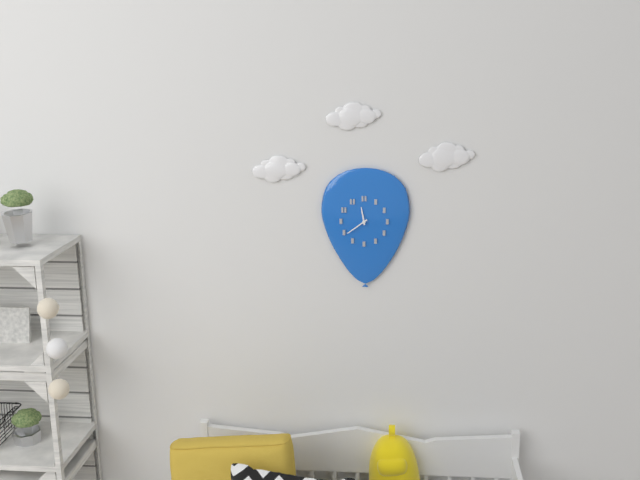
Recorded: 11:39
